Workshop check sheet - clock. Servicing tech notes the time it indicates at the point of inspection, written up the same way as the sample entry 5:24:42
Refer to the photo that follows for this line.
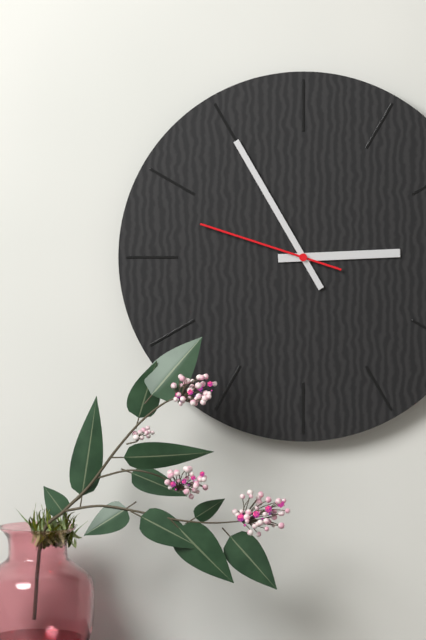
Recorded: 2:55:48
